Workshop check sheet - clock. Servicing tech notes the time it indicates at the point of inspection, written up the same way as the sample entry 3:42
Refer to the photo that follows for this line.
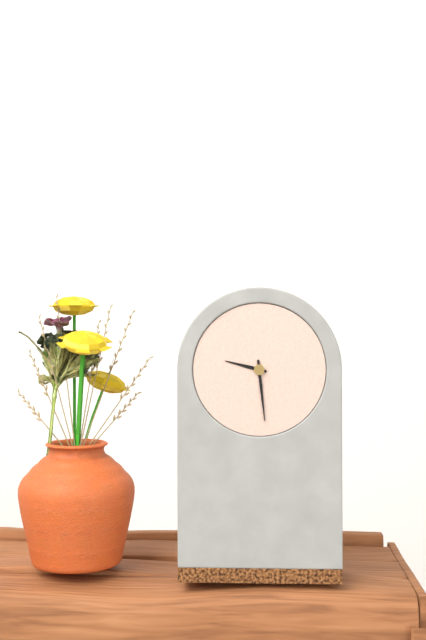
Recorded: 9:29
